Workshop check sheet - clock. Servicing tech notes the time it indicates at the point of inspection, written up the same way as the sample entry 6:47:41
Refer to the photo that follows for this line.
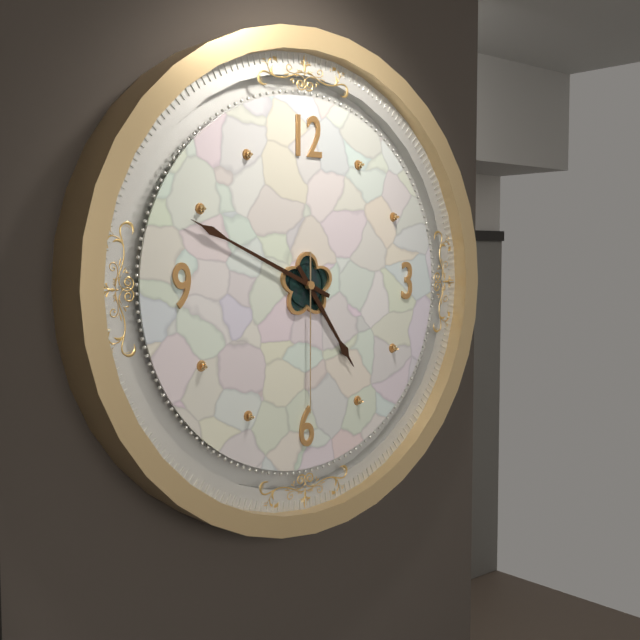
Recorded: 4:49:30
